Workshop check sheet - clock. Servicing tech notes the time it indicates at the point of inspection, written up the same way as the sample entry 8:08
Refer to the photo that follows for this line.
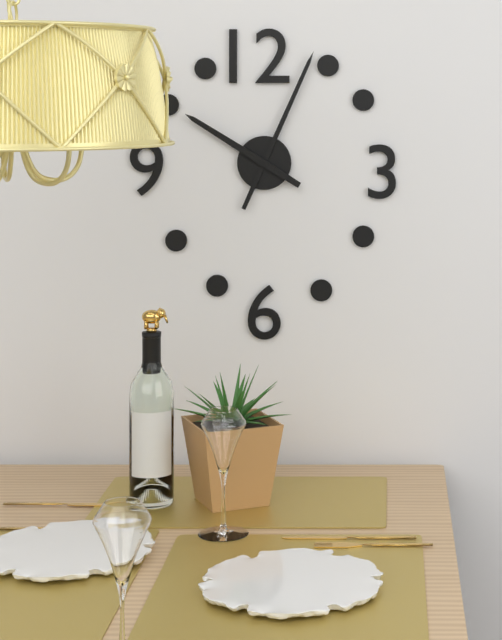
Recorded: 10:04
